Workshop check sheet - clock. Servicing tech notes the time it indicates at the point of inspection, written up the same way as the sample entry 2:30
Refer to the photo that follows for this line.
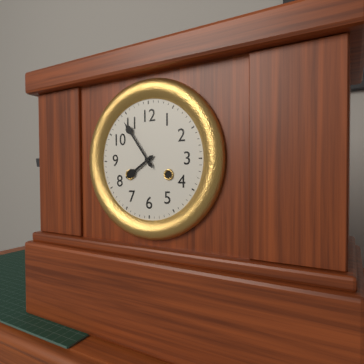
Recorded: 7:54
